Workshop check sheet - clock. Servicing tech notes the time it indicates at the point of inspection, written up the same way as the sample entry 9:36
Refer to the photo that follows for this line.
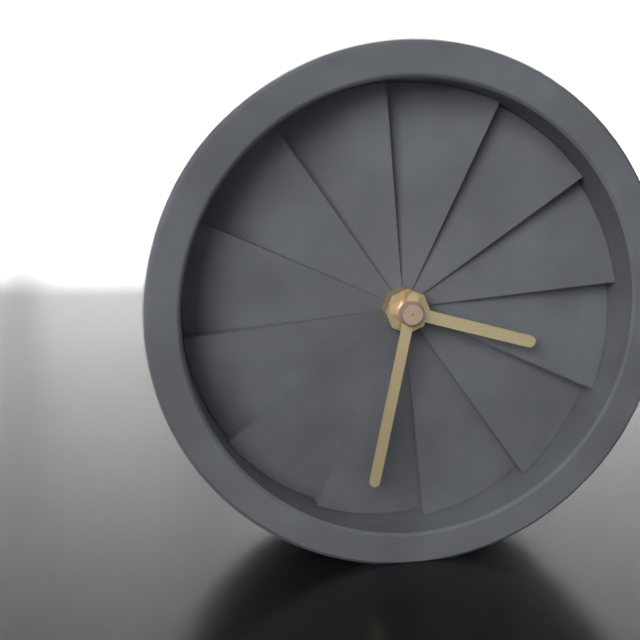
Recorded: 3:32
